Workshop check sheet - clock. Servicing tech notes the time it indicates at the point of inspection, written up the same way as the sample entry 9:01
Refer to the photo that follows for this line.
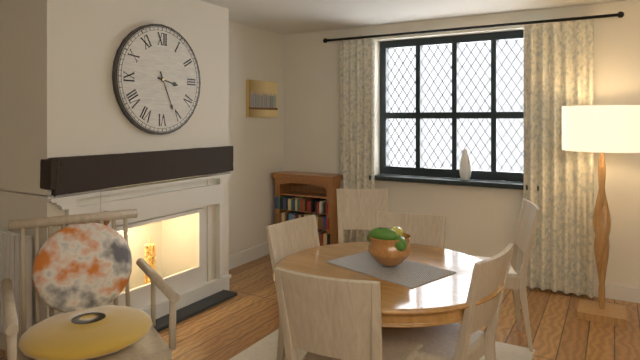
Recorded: 3:26
